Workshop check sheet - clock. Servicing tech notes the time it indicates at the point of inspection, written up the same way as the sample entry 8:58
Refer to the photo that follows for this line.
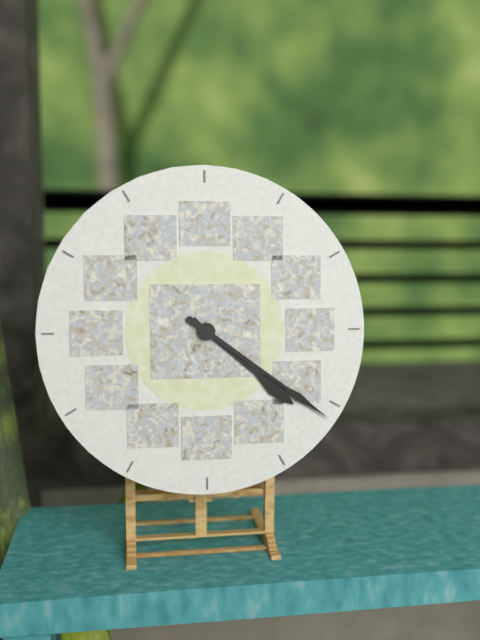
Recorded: 4:21
